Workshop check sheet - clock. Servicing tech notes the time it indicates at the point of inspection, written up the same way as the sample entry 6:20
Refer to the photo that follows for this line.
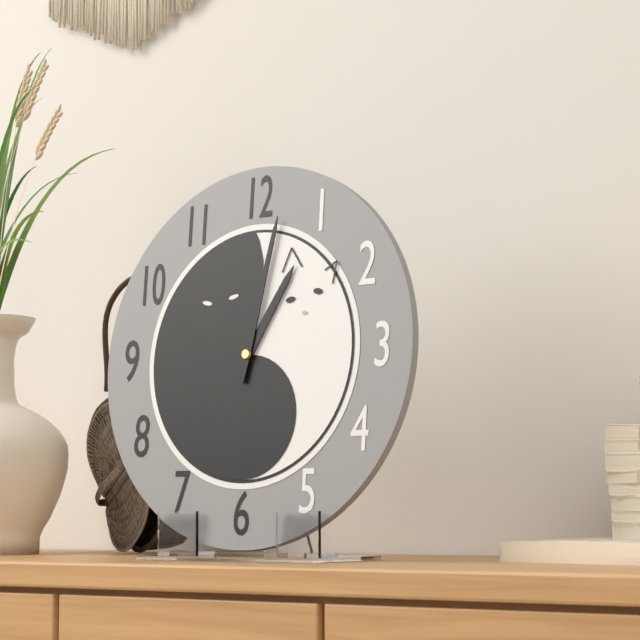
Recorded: 1:02
